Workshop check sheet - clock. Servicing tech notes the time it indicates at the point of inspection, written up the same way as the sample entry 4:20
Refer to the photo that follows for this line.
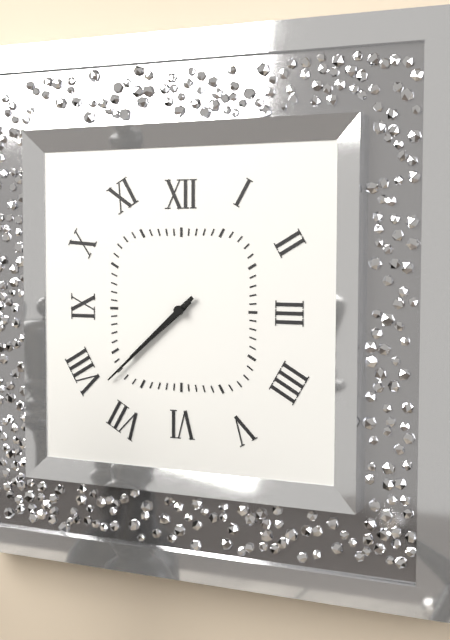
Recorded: 7:38
